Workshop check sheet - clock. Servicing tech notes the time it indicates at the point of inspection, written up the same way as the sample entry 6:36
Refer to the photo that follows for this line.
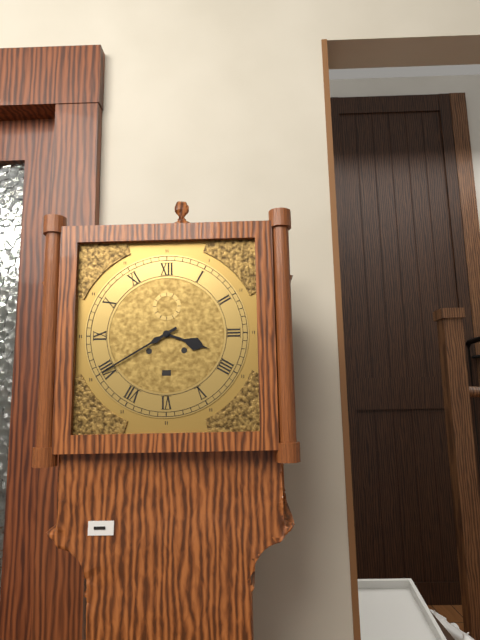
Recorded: 3:40
